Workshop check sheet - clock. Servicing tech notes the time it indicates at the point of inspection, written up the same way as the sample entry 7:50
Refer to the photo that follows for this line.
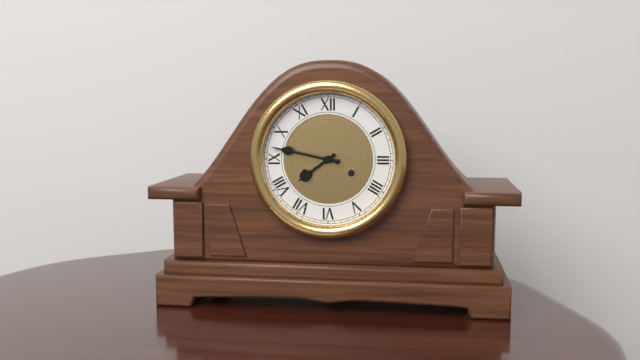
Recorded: 7:47
